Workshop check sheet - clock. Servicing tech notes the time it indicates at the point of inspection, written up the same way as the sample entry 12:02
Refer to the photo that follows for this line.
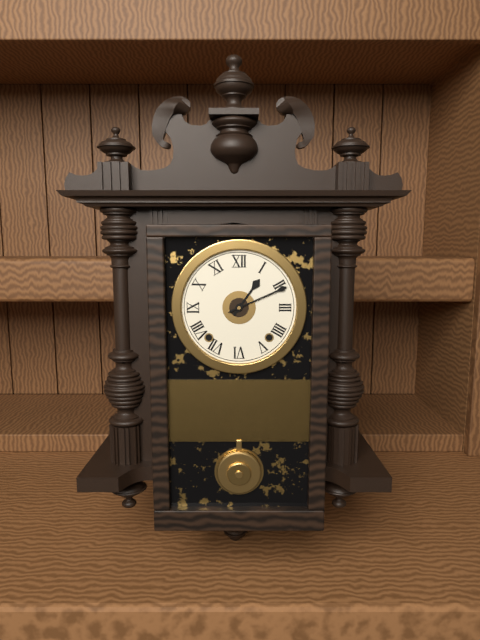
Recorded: 1:11
